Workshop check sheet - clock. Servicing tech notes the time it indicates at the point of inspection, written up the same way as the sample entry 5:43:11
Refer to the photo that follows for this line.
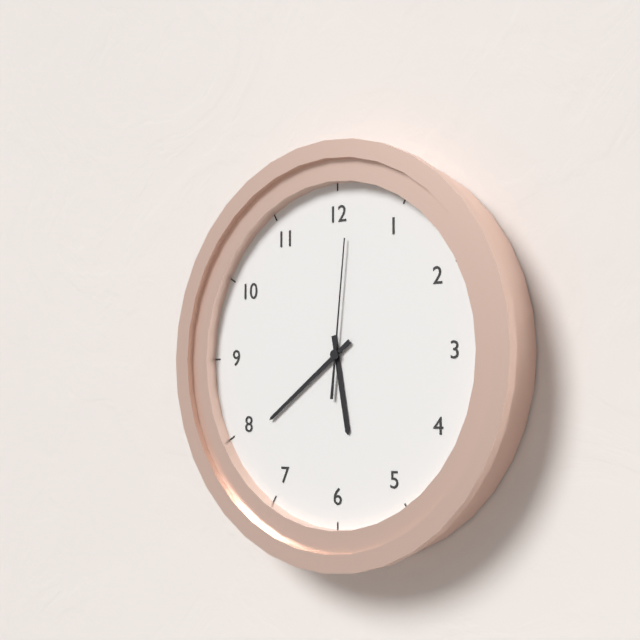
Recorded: 5:39:01
